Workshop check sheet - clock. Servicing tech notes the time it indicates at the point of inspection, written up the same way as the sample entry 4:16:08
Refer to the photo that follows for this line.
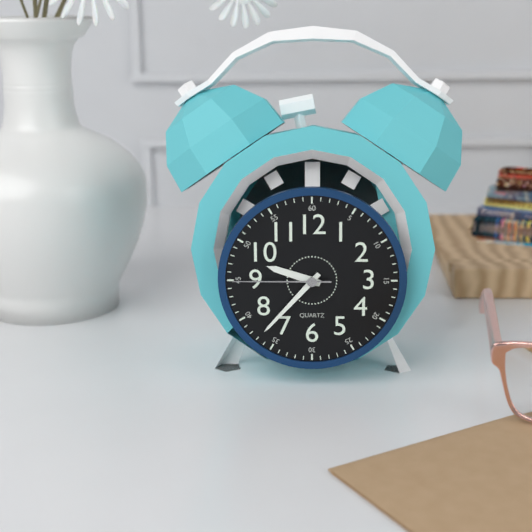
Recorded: 9:37:45
